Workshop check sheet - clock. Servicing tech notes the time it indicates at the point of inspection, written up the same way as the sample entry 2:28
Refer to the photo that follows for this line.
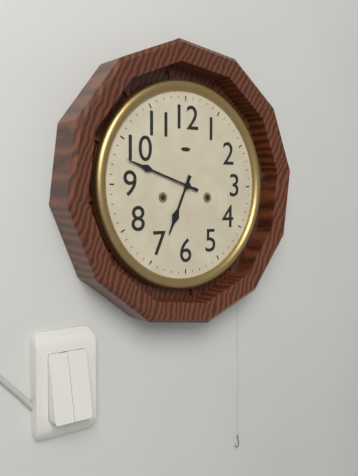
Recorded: 6:48
